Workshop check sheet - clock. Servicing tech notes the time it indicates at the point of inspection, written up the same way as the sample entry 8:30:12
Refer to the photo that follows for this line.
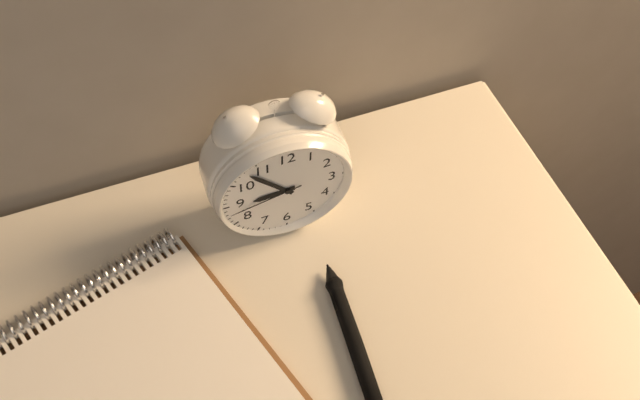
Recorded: 8:53:43
